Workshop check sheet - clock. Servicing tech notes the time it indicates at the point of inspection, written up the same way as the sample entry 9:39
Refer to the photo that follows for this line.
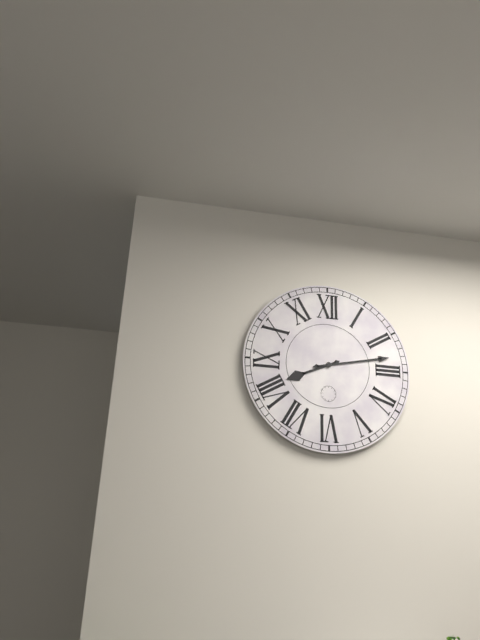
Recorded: 8:13
